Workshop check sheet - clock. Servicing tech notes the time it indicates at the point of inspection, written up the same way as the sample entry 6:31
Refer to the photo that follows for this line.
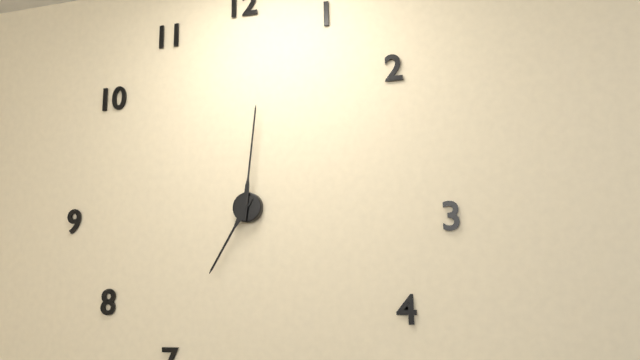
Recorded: 7:01
